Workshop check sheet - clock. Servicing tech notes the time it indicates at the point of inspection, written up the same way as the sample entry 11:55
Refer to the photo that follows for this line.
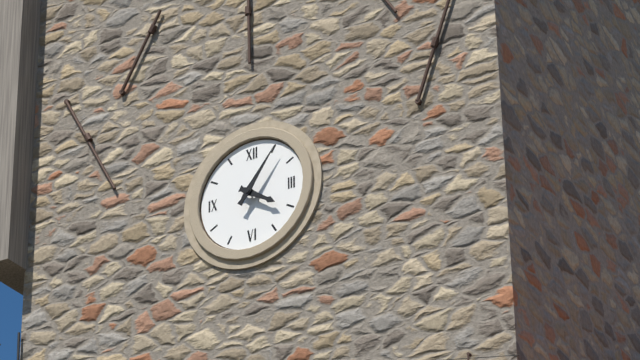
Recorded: 4:06
